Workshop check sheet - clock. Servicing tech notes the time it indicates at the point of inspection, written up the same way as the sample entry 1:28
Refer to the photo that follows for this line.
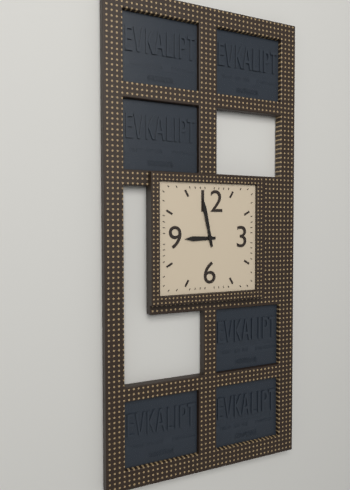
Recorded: 8:58
